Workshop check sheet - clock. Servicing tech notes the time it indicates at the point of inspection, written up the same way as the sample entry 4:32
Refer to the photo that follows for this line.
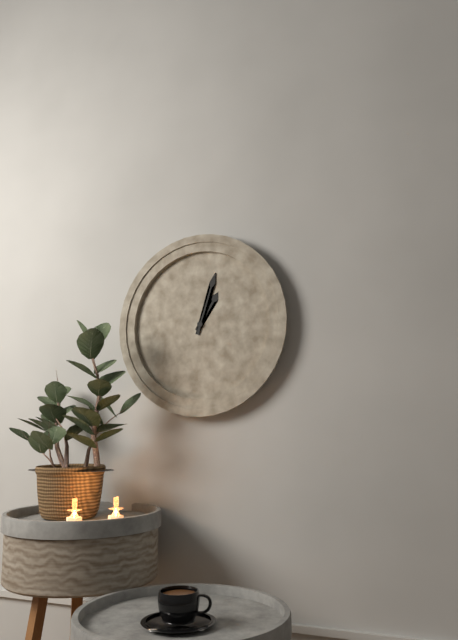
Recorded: 1:03
